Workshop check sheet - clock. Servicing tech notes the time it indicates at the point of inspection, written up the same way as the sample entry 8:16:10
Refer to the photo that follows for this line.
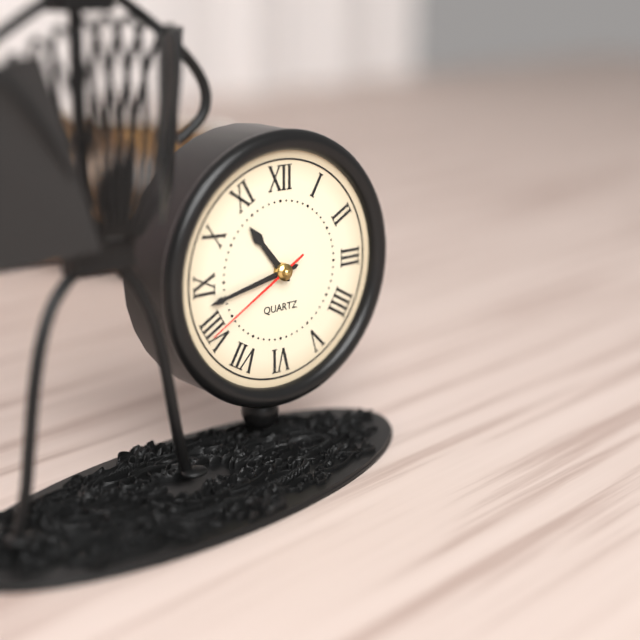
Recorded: 10:43:40
